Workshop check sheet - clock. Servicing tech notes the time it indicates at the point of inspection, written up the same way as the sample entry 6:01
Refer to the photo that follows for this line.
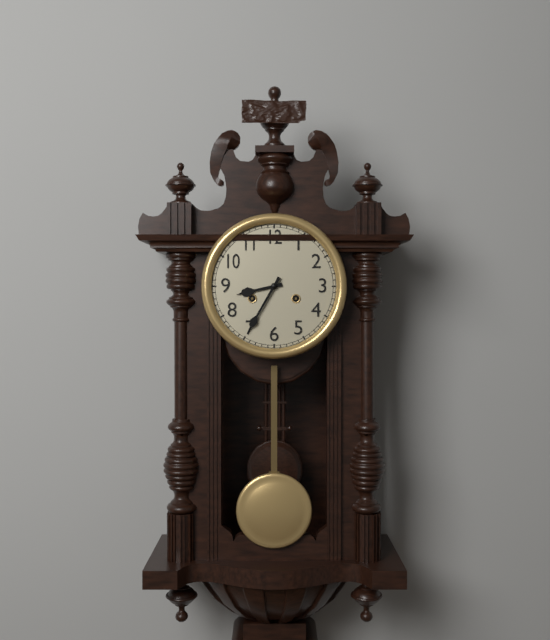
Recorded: 8:35
